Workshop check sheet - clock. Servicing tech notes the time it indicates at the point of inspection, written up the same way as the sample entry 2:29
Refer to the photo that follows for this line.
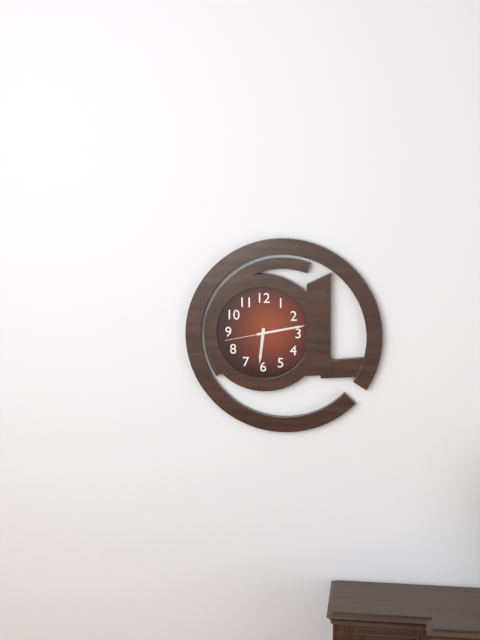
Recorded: 6:13
